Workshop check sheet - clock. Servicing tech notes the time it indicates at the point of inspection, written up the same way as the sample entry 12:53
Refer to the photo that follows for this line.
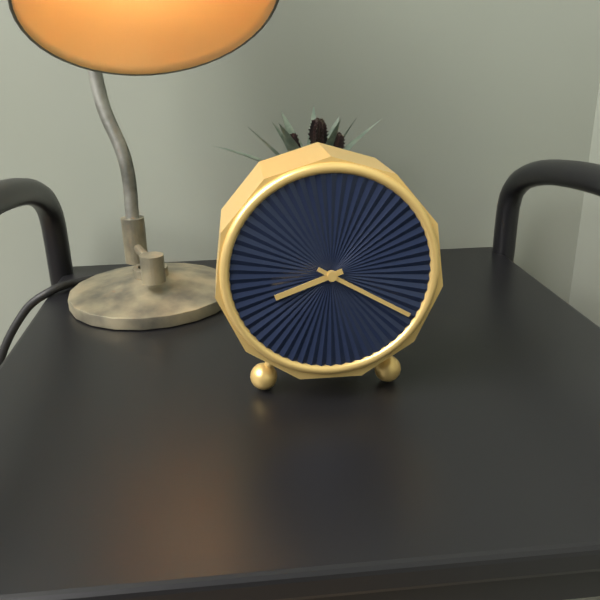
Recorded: 8:20
